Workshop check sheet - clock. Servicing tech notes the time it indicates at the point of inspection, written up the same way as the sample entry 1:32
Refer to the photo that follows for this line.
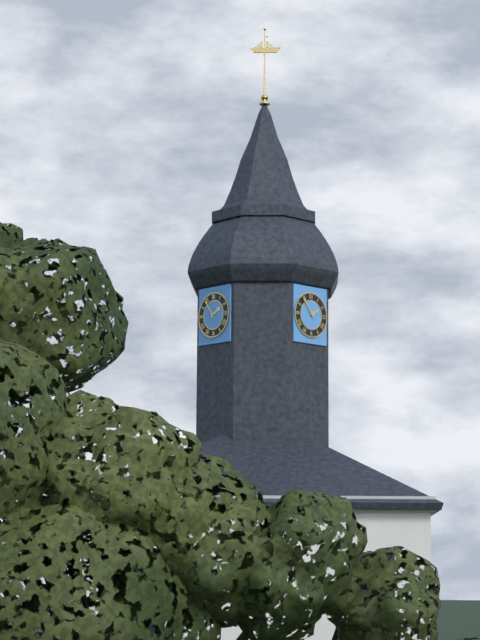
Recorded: 1:54
